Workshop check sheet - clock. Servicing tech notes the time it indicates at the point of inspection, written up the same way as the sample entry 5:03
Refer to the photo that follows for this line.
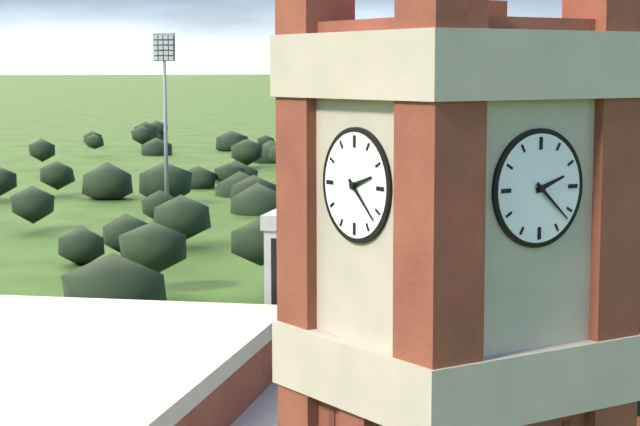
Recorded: 2:22
